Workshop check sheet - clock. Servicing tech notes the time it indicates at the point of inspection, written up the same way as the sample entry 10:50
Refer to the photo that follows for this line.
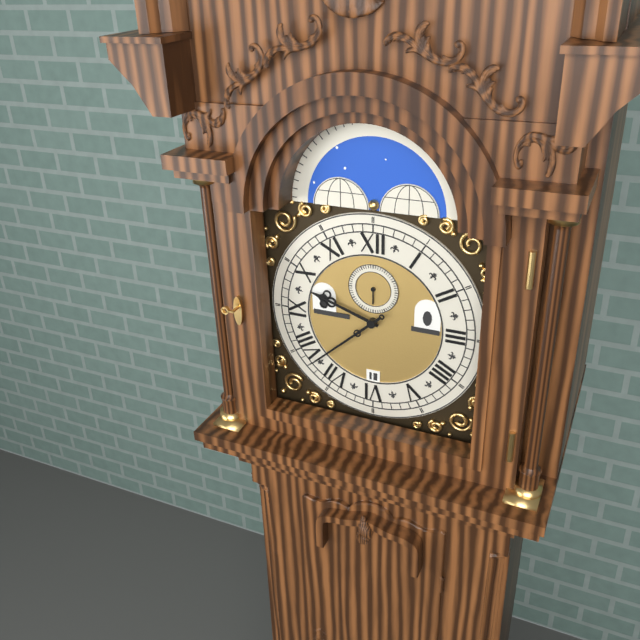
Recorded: 9:38
